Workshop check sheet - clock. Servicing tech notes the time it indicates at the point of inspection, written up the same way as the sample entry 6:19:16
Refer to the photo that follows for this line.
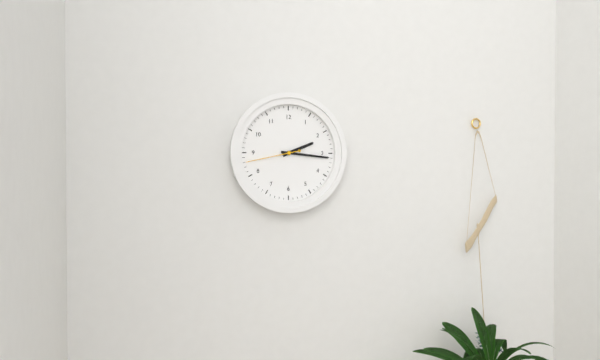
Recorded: 2:16:43
